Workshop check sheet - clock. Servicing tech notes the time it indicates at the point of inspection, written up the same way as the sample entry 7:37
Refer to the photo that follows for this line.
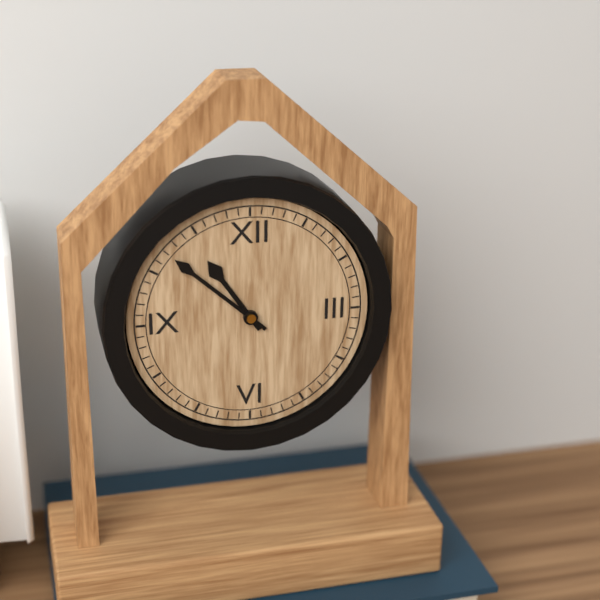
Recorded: 10:52
